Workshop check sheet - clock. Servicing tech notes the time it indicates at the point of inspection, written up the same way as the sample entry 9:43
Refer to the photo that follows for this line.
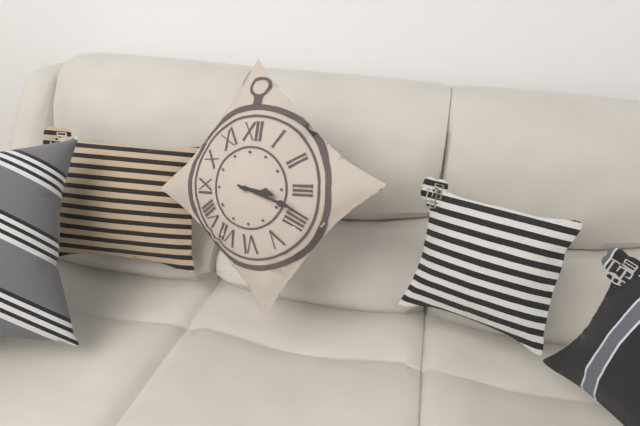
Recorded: 3:18
